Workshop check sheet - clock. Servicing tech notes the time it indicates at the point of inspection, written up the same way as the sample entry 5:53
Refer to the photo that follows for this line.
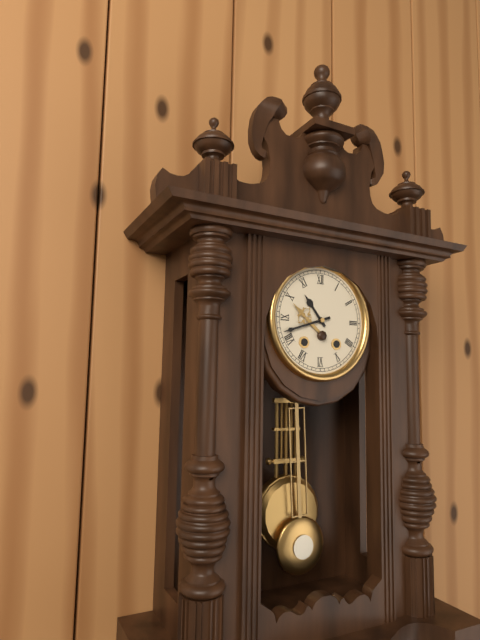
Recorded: 10:42
